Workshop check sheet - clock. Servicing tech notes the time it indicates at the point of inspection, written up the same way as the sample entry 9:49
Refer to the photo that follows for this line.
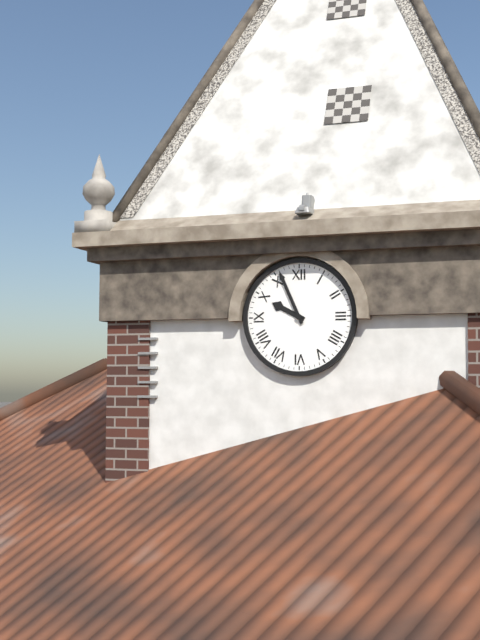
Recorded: 9:56
